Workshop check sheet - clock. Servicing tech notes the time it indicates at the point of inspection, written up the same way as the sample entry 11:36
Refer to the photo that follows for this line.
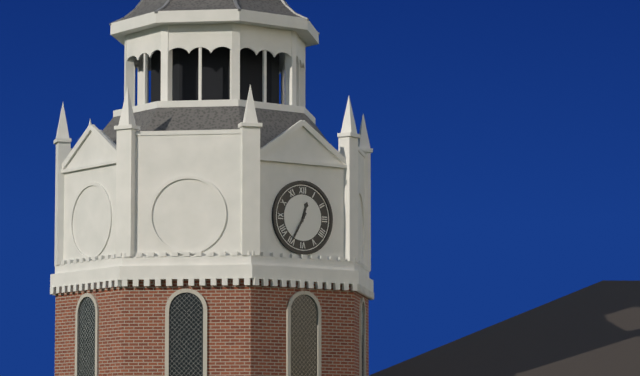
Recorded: 12:35
